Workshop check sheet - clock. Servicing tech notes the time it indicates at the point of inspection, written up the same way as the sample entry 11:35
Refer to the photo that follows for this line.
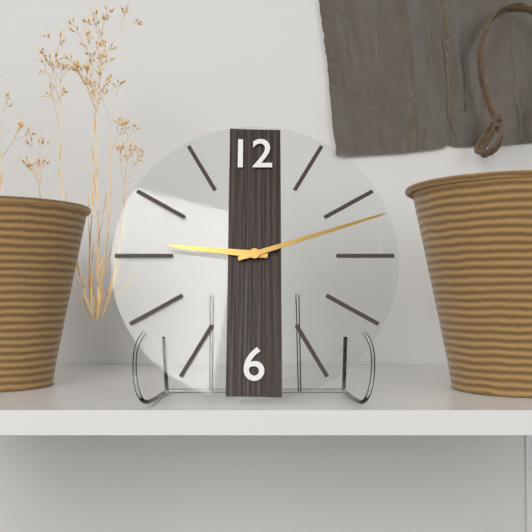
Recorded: 9:12
